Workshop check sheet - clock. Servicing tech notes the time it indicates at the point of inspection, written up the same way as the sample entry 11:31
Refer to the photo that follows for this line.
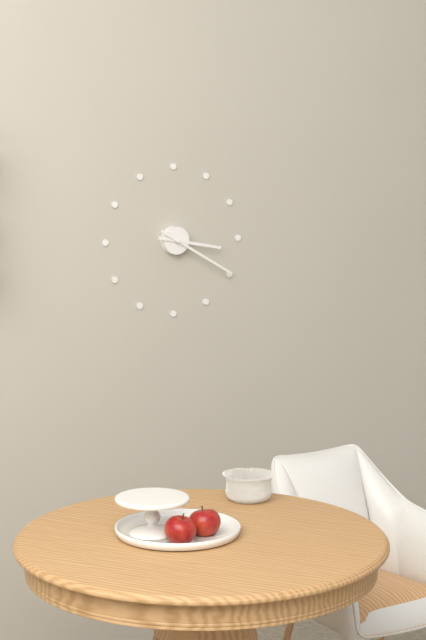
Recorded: 3:20
